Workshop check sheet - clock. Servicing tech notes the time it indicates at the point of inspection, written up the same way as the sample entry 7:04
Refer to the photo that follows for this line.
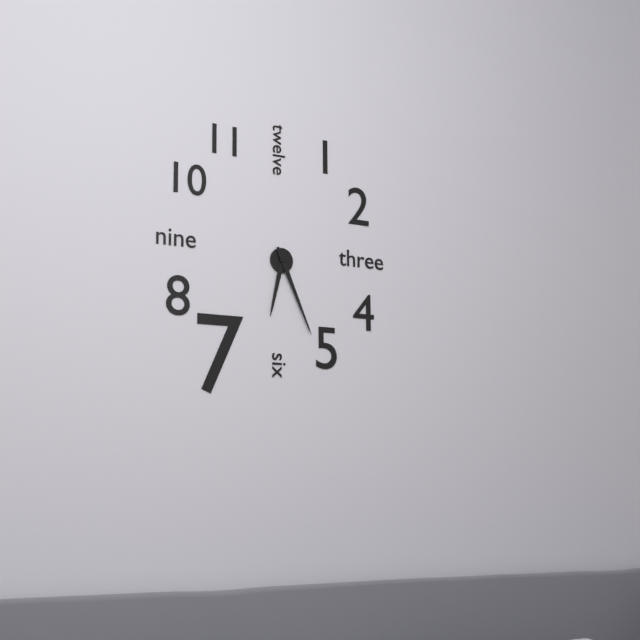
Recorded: 6:26
